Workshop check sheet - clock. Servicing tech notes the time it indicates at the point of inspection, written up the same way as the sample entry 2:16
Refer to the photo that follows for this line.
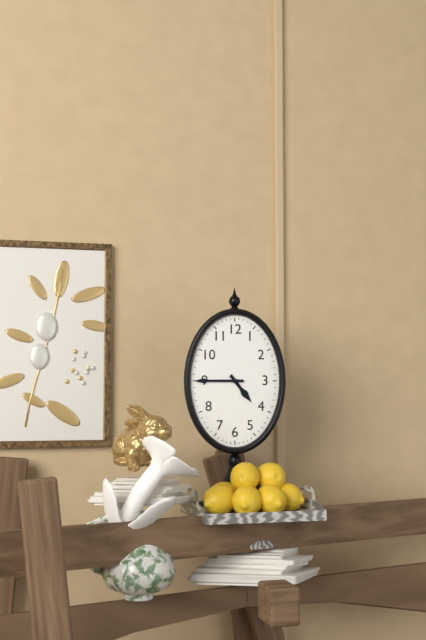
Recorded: 4:45
